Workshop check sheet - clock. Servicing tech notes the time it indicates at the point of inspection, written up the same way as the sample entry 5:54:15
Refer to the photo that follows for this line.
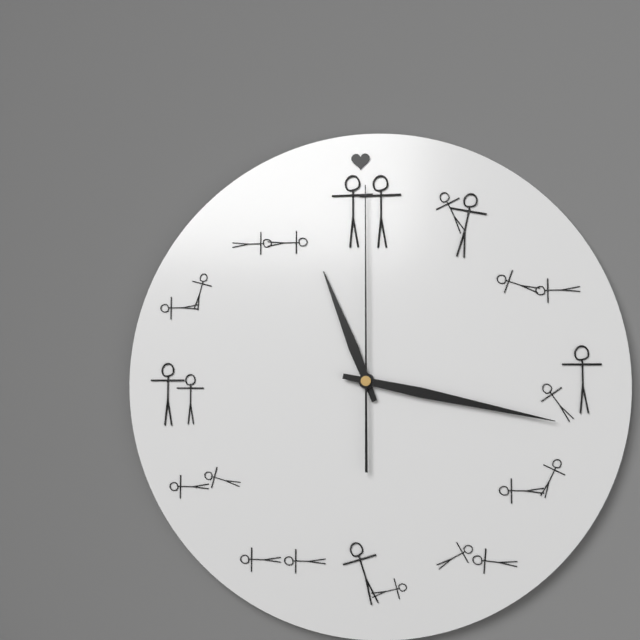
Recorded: 11:17:00
